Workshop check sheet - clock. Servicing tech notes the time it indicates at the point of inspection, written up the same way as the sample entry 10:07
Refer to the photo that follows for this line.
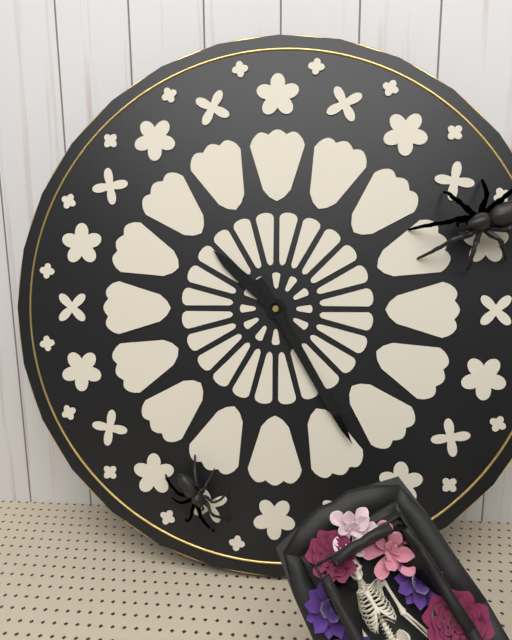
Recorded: 10:25
